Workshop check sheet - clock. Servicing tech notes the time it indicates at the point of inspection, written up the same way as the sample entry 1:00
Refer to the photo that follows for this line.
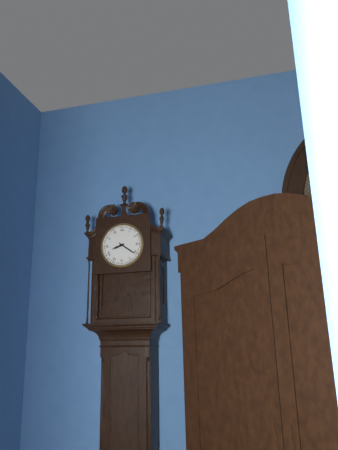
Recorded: 8:21
